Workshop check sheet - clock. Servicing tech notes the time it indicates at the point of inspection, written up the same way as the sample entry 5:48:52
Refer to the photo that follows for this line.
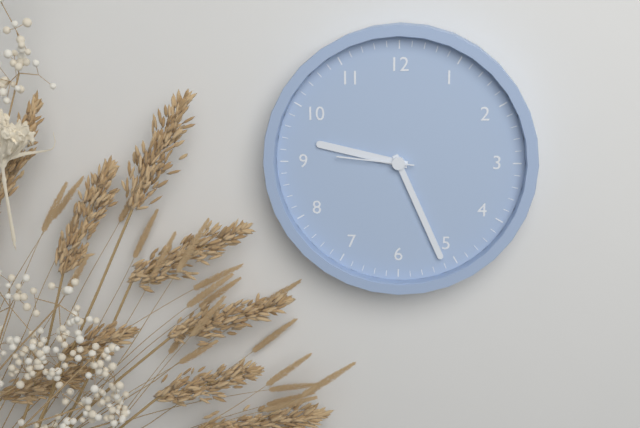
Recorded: 9:26:46
